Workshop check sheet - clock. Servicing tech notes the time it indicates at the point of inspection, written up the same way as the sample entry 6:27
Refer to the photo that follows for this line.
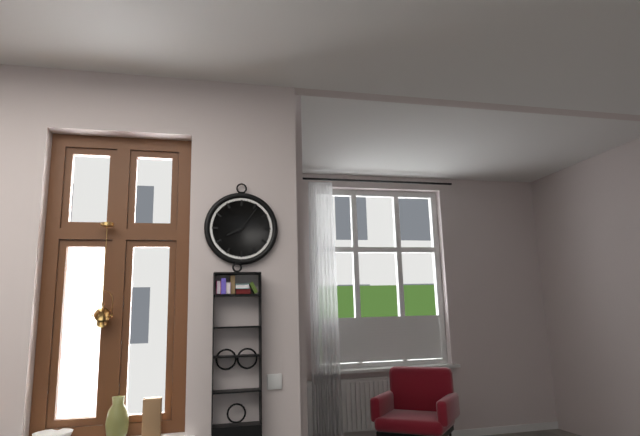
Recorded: 8:06
